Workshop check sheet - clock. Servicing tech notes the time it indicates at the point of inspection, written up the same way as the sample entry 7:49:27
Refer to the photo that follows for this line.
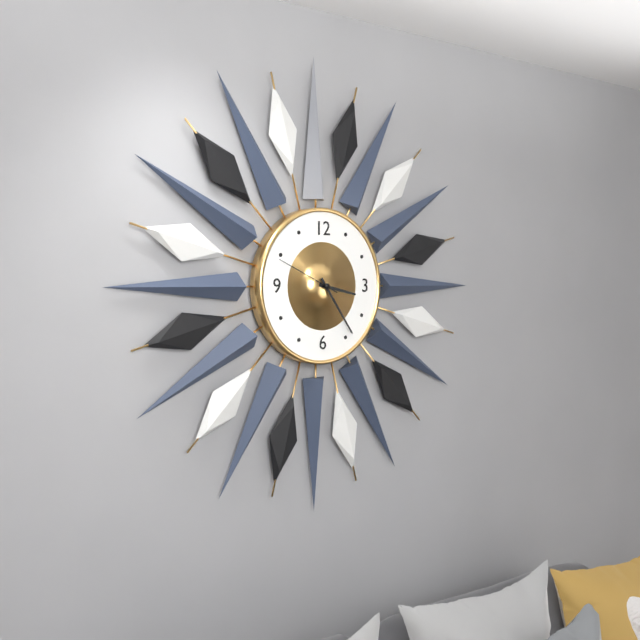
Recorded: 3:24:49
